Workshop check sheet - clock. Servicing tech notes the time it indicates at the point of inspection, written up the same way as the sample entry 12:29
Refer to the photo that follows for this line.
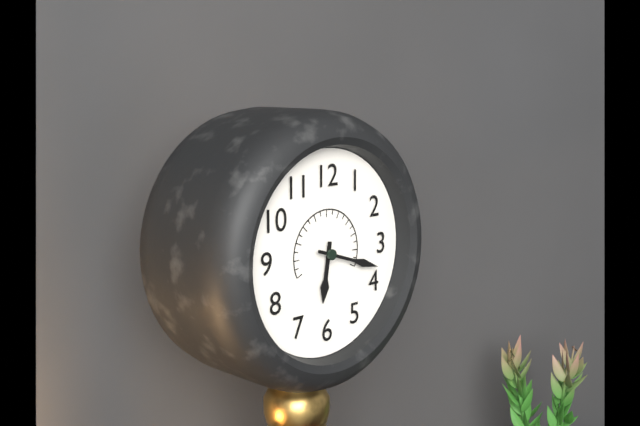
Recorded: 6:18
